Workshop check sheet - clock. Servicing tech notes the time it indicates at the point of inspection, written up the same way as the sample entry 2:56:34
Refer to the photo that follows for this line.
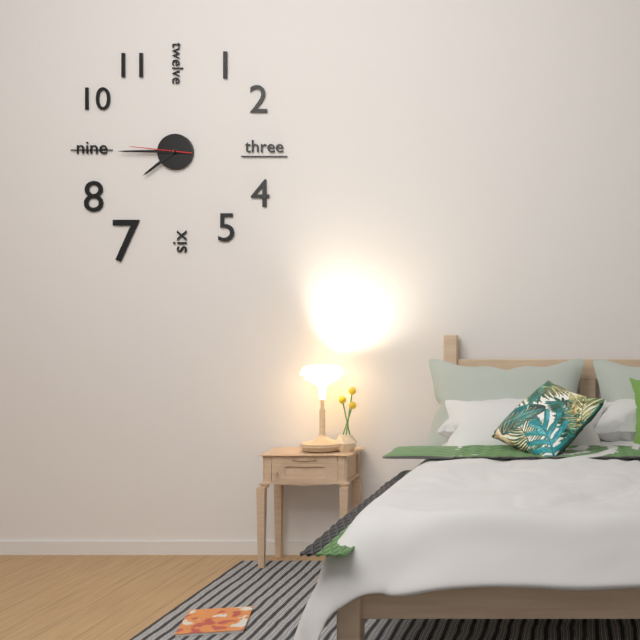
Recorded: 7:45:46
